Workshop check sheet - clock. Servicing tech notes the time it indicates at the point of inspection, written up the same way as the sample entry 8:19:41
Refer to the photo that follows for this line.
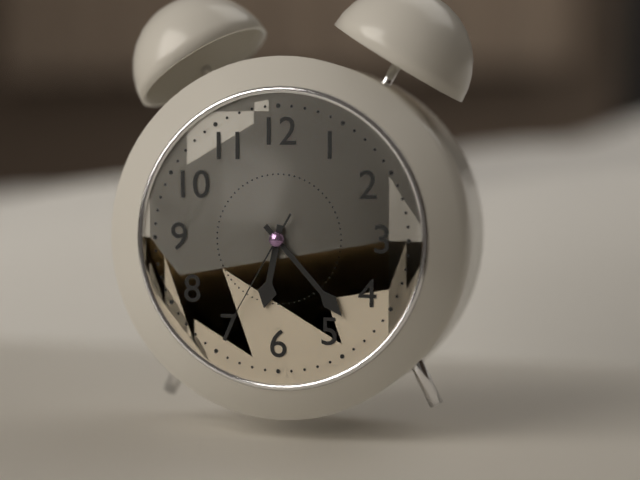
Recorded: 6:23:35
